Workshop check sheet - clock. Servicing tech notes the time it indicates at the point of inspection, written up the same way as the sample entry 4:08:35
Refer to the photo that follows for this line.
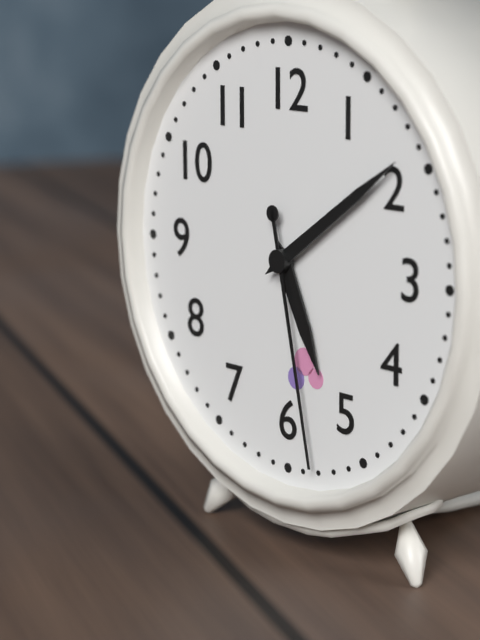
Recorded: 5:09:28
